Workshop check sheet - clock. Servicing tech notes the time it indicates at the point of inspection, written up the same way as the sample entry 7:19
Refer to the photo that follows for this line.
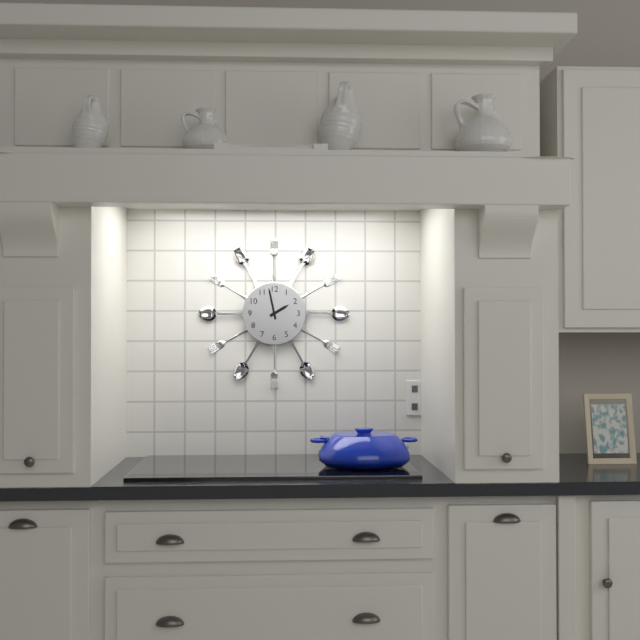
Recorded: 1:58
